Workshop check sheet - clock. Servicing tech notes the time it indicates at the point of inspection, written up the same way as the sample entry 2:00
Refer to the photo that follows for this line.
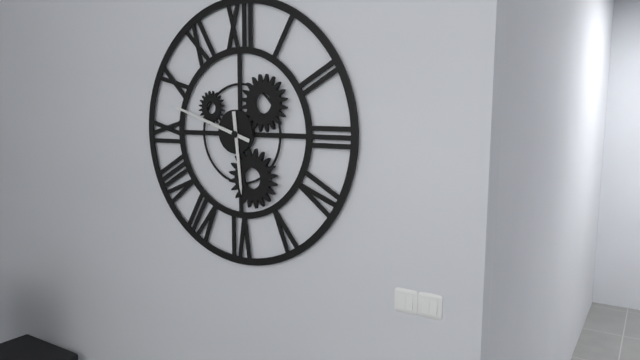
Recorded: 5:48
